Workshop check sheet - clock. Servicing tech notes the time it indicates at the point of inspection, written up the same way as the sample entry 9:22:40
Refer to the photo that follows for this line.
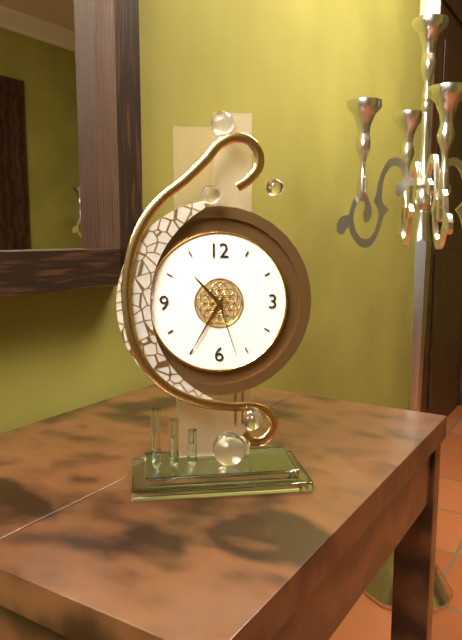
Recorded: 10:35:27
